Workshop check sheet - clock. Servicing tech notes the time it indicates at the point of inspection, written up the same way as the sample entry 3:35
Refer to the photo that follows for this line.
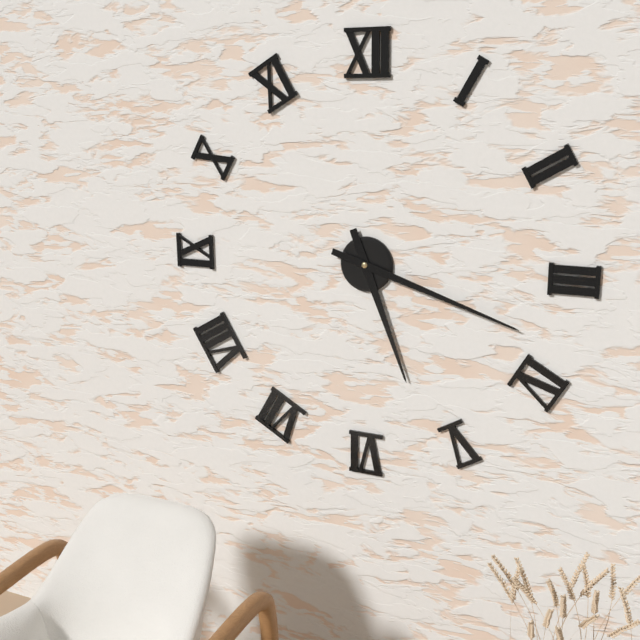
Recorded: 5:18
